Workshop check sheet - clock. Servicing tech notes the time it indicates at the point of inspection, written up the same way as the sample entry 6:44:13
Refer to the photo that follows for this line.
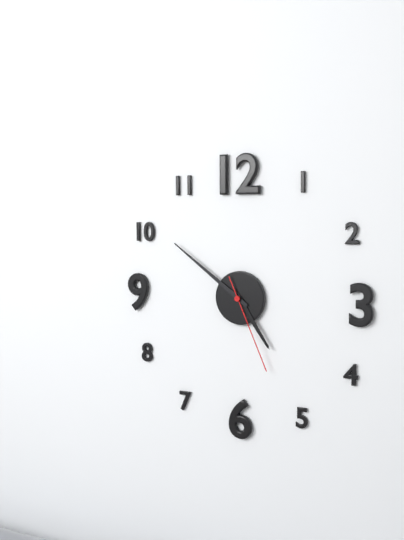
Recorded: 4:51:26
